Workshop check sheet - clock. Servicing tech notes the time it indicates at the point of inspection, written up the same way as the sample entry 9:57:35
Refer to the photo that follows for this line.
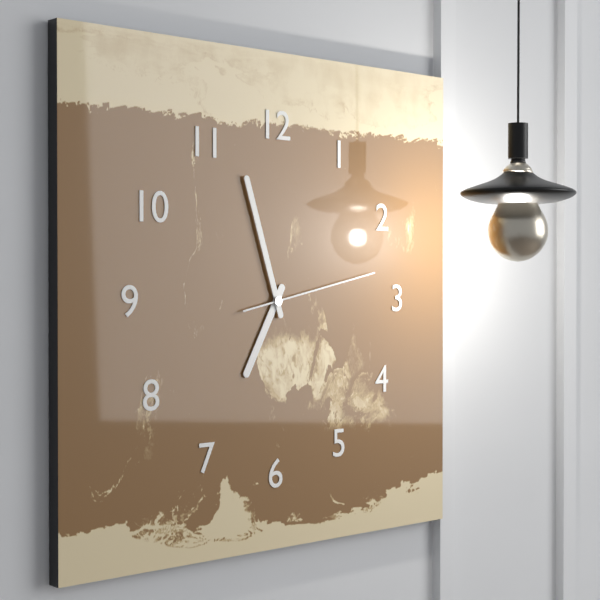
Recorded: 6:57:13
